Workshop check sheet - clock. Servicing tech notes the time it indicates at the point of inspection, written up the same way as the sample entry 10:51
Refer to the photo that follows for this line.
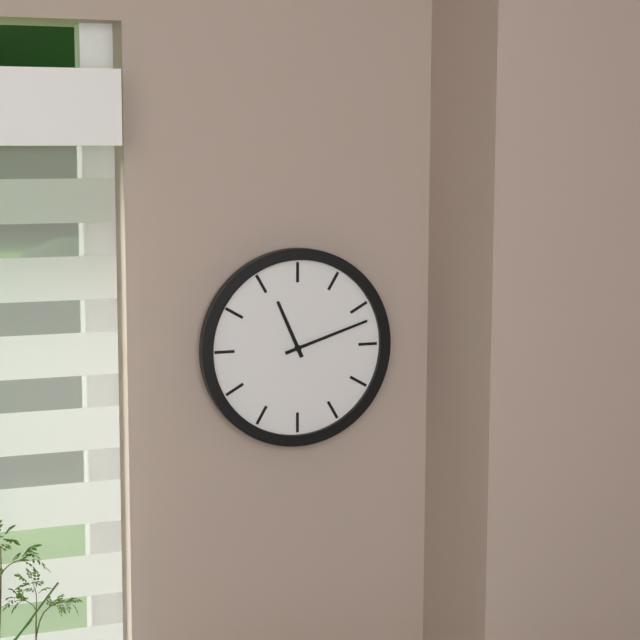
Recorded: 11:12
